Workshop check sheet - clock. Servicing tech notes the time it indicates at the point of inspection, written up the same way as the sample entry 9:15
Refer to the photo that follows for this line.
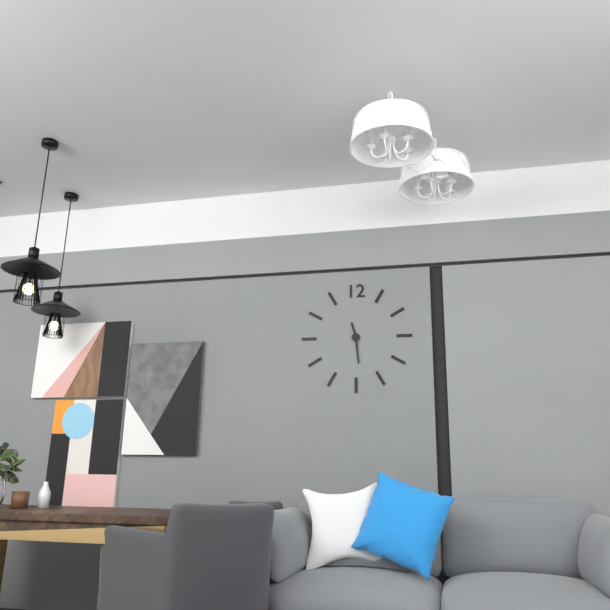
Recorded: 11:29
